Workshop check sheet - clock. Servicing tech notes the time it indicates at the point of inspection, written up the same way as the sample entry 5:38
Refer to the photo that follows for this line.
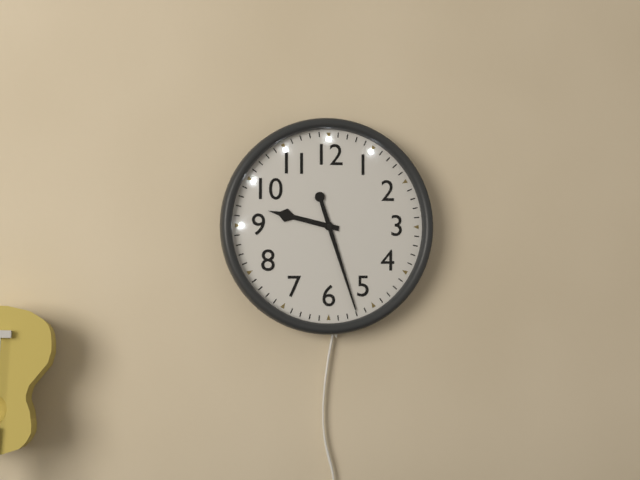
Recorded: 9:27
